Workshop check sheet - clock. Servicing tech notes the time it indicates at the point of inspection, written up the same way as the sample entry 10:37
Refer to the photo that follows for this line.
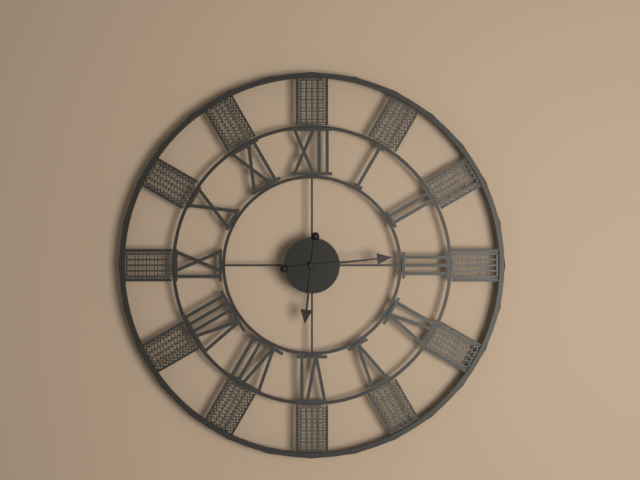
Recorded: 6:14
